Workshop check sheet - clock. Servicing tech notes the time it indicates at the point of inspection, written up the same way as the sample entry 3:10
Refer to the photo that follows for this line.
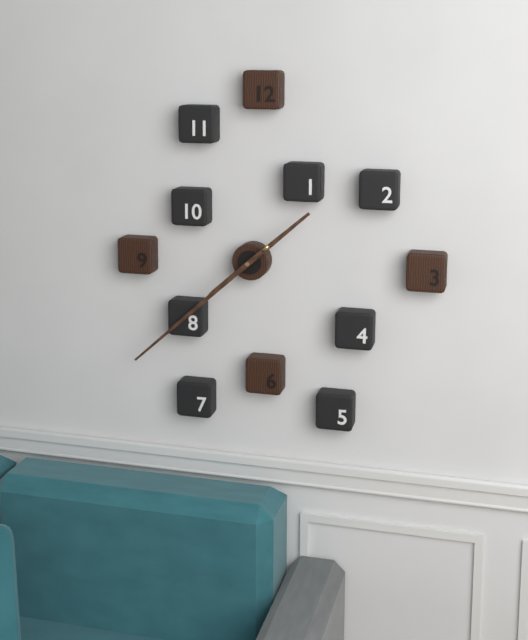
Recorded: 1:38
